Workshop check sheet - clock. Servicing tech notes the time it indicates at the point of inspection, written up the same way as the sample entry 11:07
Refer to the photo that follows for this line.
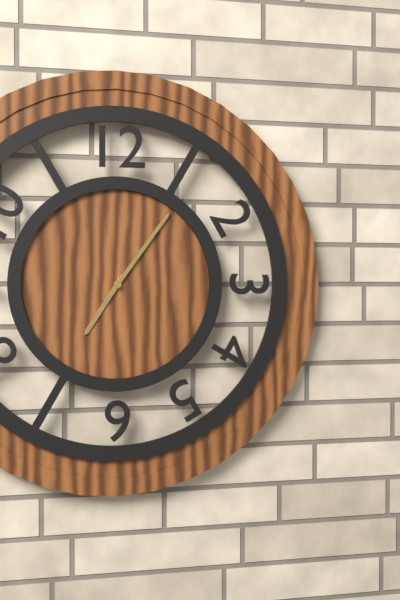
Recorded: 7:06
